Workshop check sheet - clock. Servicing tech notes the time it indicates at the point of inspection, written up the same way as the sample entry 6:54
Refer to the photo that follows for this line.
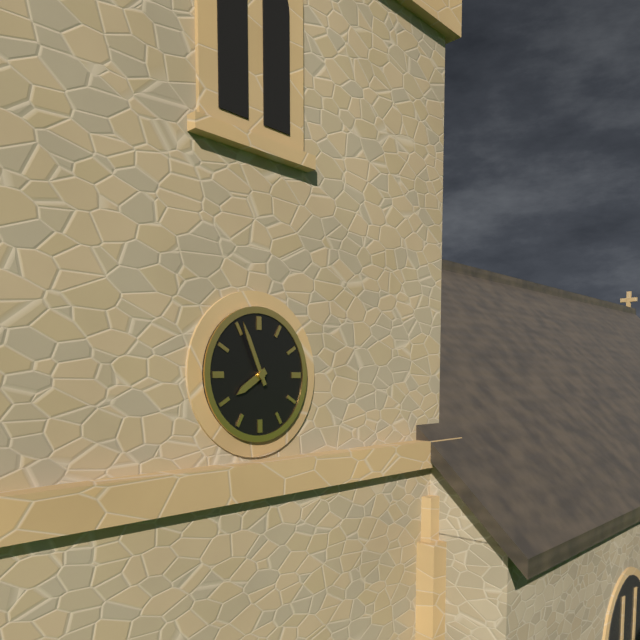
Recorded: 7:56
